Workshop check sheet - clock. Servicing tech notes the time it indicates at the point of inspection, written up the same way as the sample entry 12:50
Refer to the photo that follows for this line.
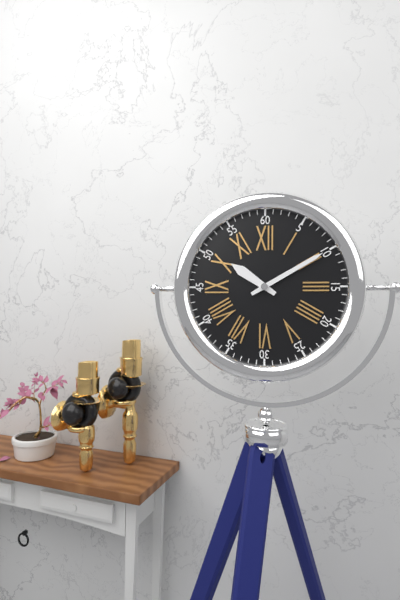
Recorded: 10:10
